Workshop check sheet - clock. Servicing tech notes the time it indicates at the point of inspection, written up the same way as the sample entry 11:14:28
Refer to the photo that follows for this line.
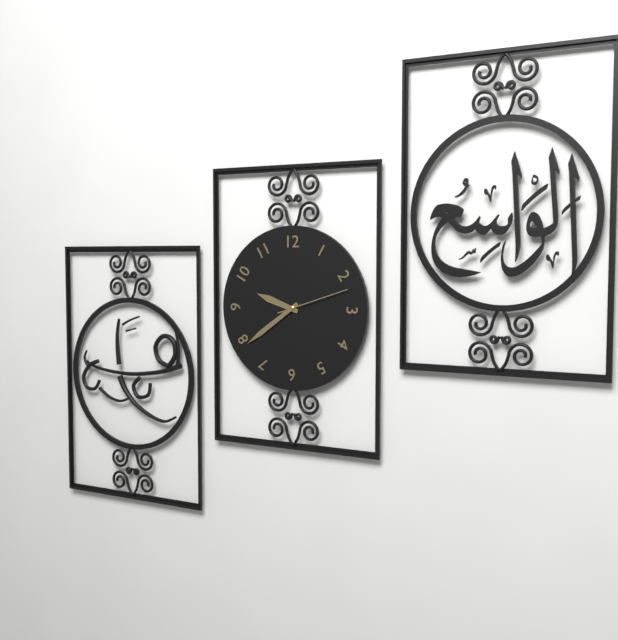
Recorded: 9:39:12
